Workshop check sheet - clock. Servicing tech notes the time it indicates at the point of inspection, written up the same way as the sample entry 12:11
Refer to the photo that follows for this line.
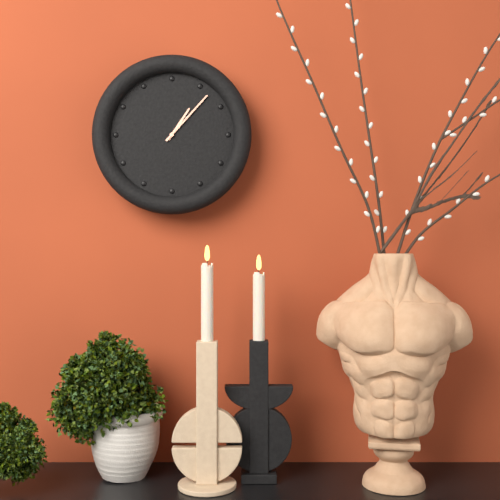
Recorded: 1:07
